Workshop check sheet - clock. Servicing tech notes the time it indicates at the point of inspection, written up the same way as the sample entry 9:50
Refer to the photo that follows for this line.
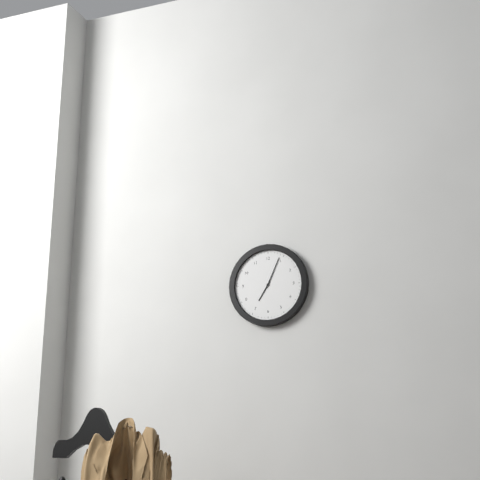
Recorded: 7:04
